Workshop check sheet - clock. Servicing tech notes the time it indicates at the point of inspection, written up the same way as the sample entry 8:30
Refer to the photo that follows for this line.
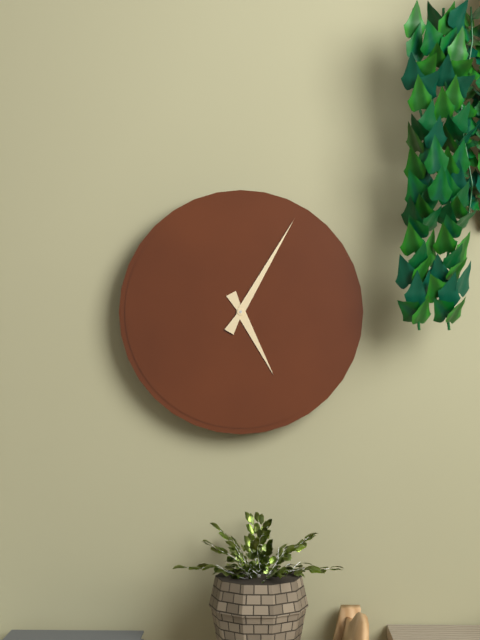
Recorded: 5:05
